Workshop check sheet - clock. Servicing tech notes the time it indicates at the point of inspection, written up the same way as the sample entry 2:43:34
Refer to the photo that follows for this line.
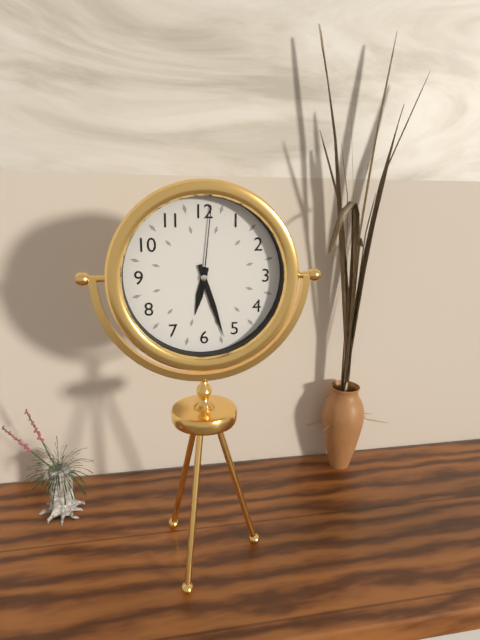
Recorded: 6:27:01
